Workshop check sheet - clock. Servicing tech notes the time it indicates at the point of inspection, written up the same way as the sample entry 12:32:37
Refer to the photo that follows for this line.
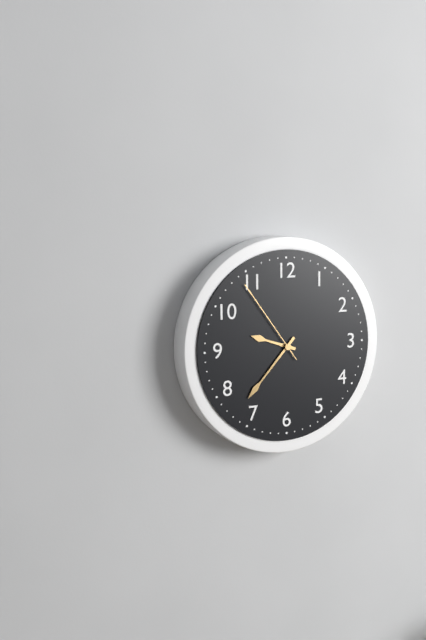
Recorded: 9:37:54
